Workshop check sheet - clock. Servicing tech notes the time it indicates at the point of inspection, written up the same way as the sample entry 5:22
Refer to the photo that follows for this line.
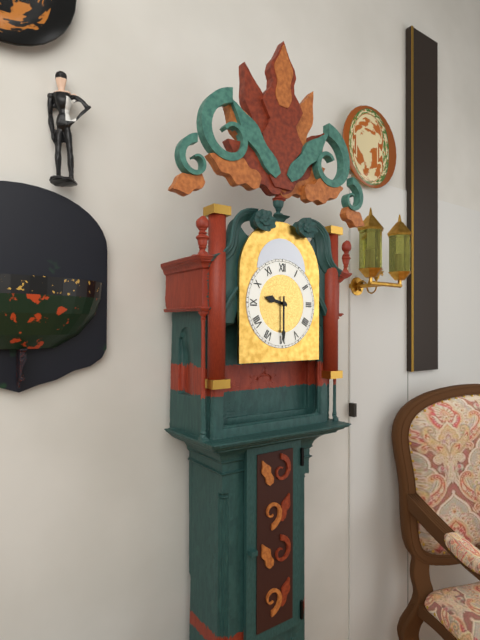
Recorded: 9:30
